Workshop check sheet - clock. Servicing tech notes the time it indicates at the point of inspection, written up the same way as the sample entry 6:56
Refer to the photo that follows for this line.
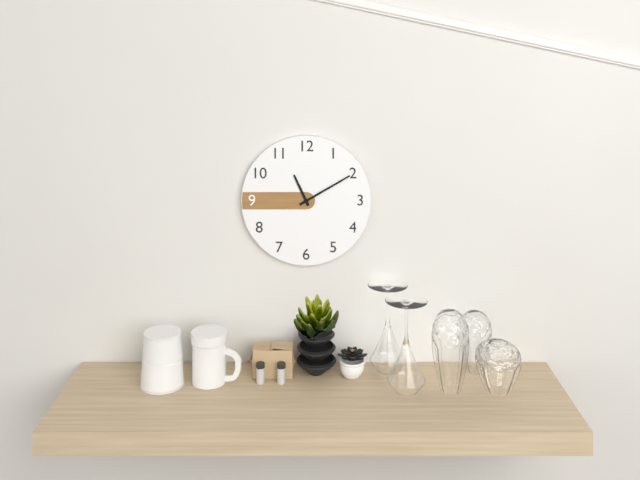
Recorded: 11:10
